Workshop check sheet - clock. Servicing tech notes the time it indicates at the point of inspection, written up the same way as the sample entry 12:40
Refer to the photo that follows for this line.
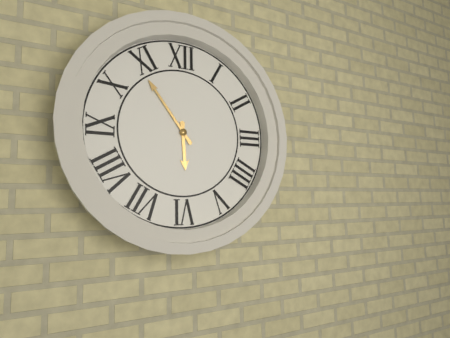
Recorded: 5:54
